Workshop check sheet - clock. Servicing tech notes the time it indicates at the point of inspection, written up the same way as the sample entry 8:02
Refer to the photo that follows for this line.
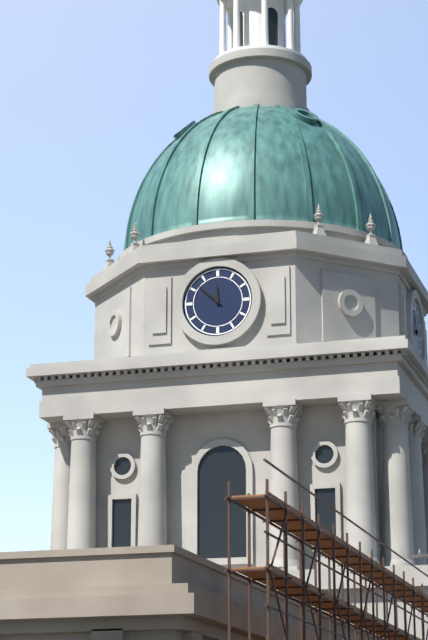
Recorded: 11:52
